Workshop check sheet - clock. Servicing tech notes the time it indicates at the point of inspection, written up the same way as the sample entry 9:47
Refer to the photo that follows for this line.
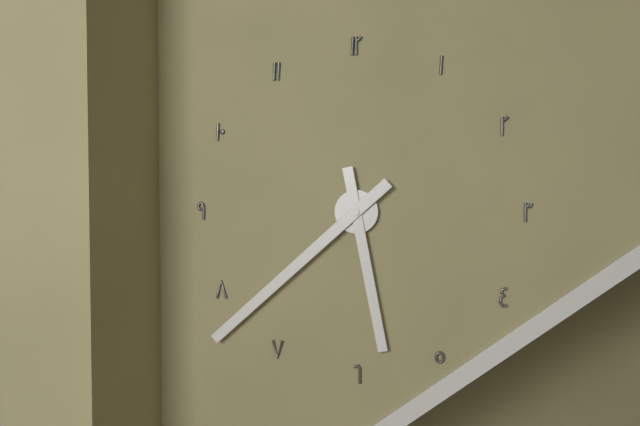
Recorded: 5:38
